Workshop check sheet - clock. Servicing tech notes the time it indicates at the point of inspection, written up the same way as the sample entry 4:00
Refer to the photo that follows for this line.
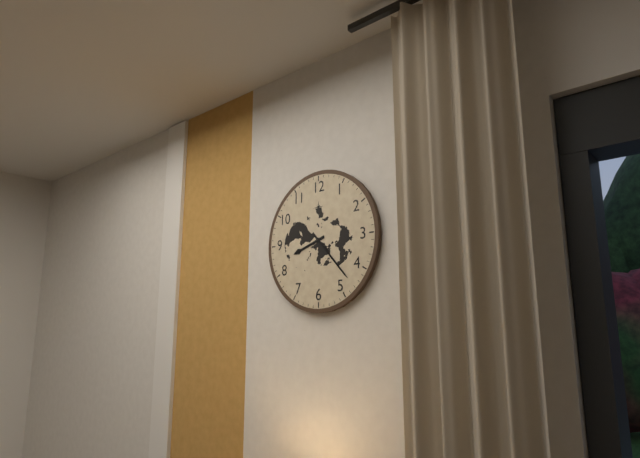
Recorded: 8:23
